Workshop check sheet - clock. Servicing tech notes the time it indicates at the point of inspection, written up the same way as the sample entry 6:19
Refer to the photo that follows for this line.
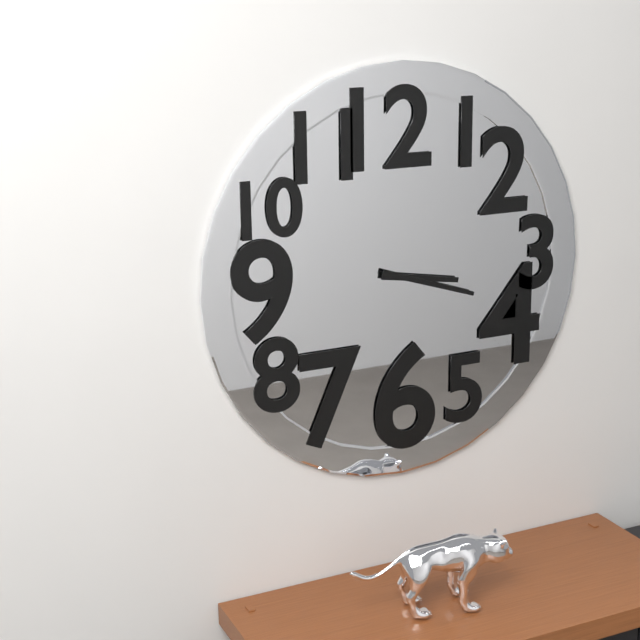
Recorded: 3:18
